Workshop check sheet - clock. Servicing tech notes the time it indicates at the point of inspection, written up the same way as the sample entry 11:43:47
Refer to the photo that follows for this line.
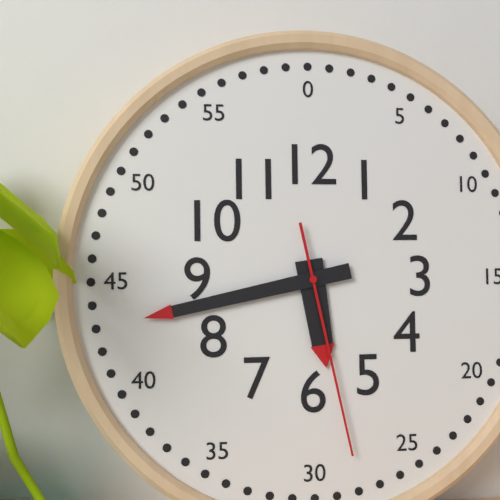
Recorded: 5:43:28
